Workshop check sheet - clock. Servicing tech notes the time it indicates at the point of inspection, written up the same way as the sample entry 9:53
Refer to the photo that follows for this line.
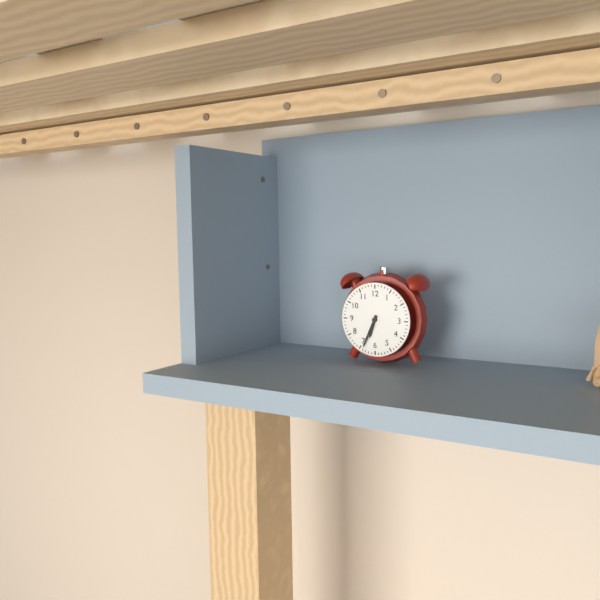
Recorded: 6:34
